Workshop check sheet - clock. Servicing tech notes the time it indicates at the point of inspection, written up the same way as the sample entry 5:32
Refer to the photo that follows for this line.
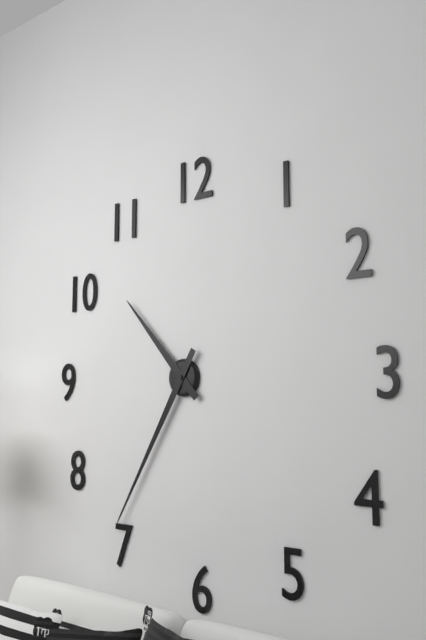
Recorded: 10:35
